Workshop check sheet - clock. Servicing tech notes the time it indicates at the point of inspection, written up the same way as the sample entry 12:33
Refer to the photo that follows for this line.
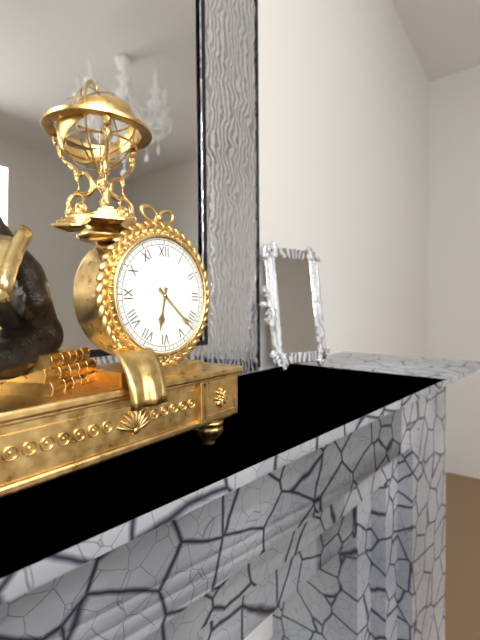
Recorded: 6:22
